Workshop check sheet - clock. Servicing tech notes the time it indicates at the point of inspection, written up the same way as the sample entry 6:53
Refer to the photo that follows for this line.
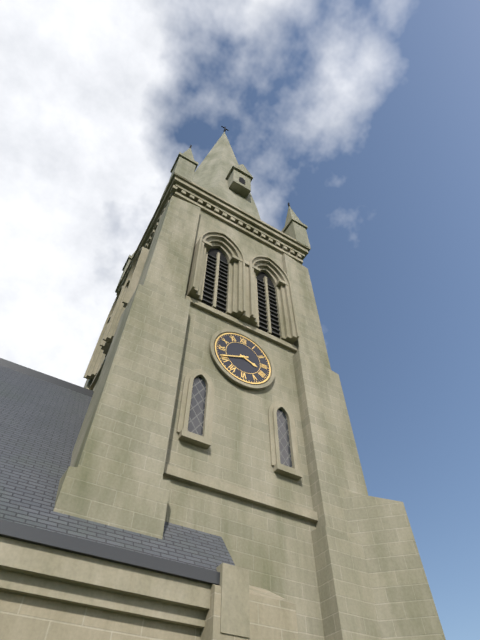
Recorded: 3:41
